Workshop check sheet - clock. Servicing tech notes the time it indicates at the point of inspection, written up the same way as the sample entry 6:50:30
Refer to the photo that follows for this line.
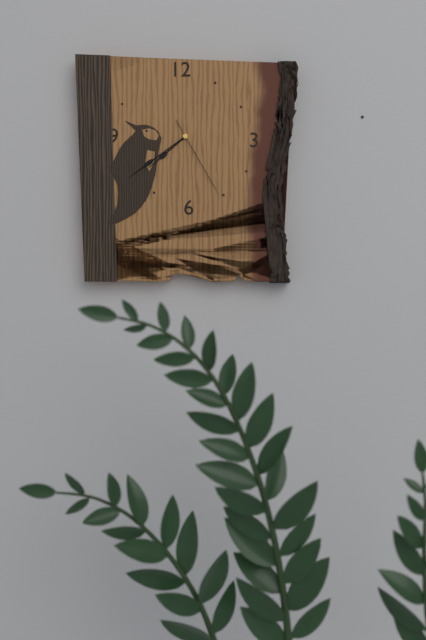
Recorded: 7:39:25
